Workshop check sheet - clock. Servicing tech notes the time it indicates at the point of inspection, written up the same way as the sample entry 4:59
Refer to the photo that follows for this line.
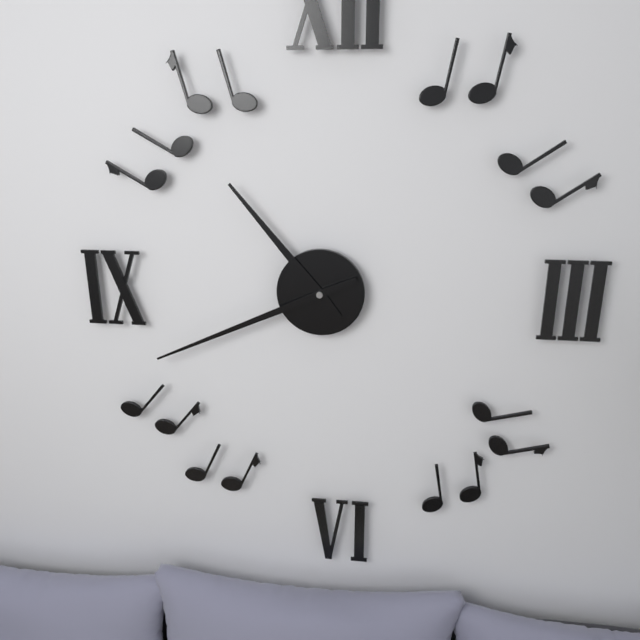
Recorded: 10:41
